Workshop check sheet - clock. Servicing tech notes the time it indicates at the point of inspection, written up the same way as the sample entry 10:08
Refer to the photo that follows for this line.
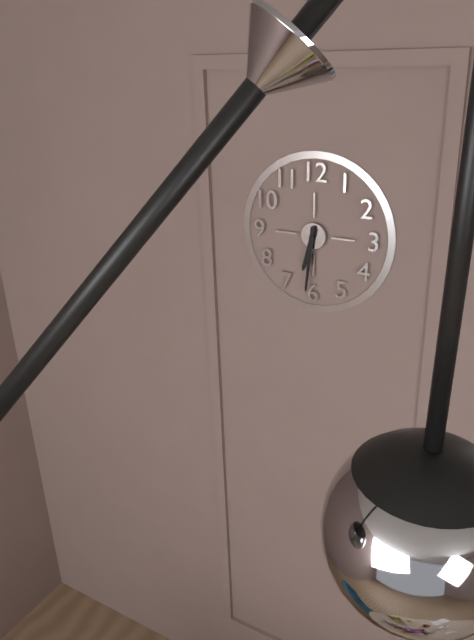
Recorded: 6:31
